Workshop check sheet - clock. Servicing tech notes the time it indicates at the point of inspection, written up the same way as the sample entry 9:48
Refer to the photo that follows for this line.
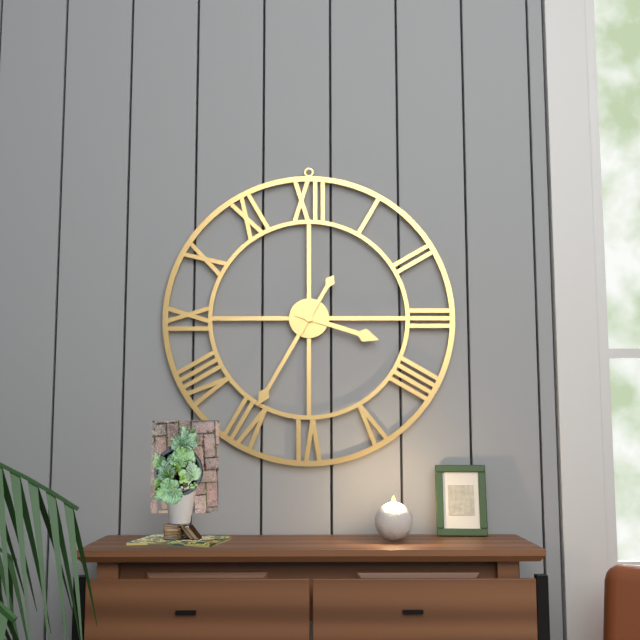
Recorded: 3:35
